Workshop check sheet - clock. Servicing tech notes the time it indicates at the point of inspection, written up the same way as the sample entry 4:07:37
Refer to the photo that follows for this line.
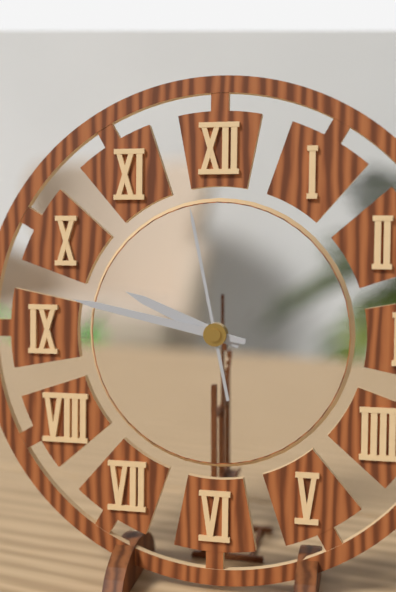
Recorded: 9:47:58
